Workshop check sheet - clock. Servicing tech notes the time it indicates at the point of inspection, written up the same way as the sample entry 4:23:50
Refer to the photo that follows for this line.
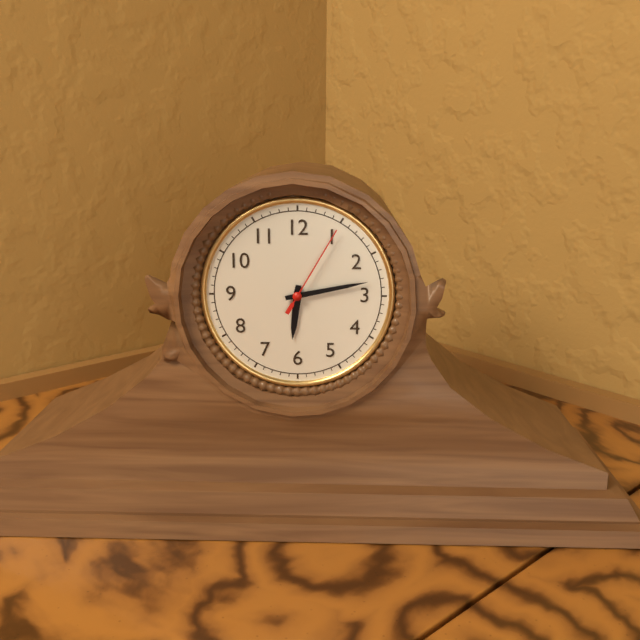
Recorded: 6:13:05
